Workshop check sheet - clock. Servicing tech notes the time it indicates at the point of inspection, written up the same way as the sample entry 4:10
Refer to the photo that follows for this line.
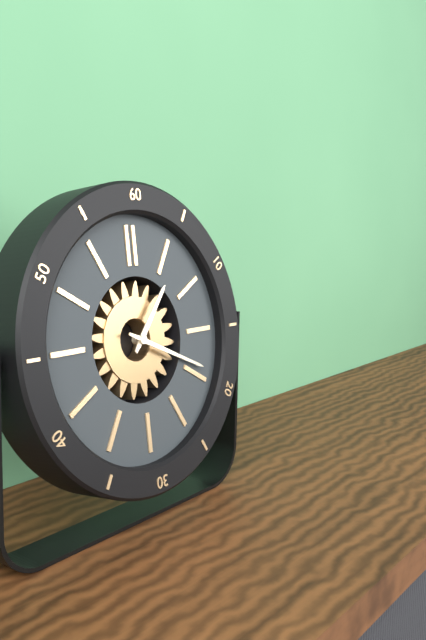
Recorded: 1:19
